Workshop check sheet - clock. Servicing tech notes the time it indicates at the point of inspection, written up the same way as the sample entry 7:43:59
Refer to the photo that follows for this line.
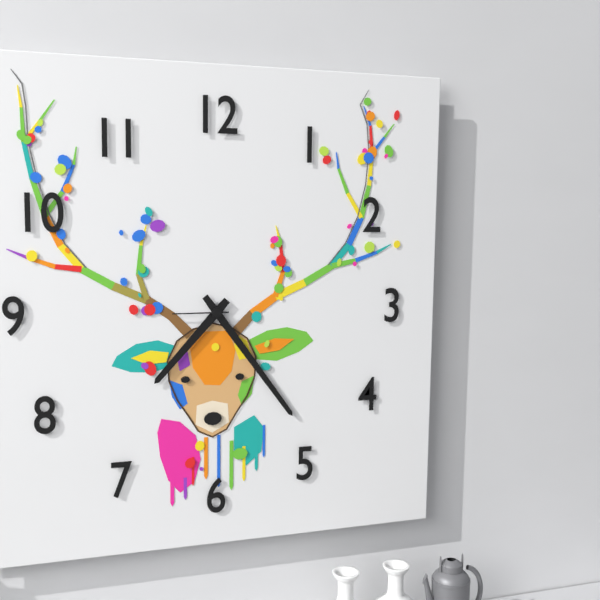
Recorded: 7:24:45
